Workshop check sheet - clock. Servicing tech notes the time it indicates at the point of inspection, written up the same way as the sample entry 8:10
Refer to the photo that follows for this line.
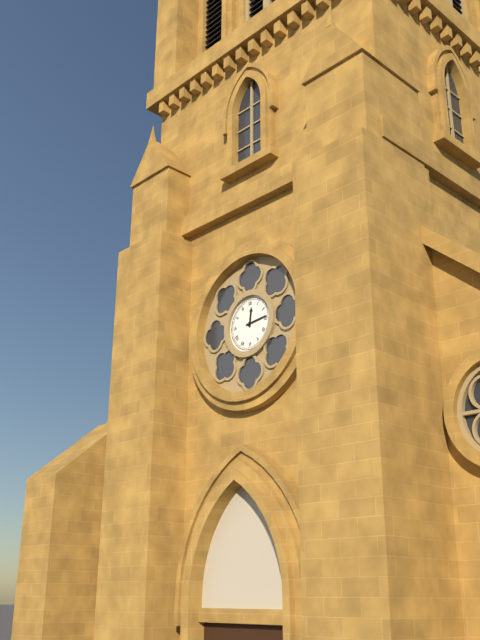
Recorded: 12:14
